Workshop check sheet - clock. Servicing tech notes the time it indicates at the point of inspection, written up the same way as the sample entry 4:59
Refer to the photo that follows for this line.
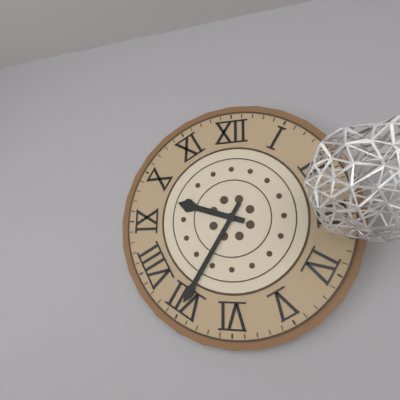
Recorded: 9:35
